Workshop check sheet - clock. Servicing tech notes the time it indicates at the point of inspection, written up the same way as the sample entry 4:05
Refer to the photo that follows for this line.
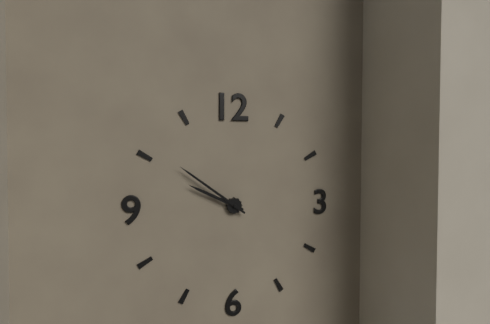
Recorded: 9:51
